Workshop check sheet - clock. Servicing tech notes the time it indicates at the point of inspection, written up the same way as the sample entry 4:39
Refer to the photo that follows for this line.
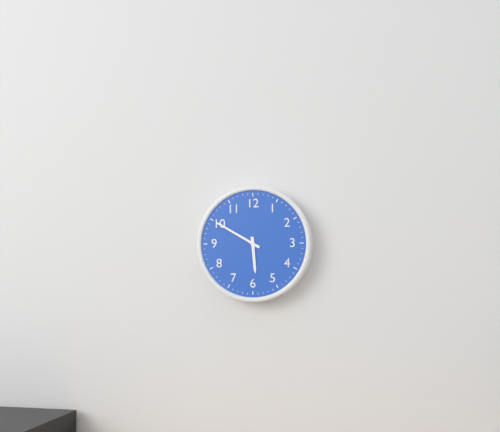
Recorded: 5:50
